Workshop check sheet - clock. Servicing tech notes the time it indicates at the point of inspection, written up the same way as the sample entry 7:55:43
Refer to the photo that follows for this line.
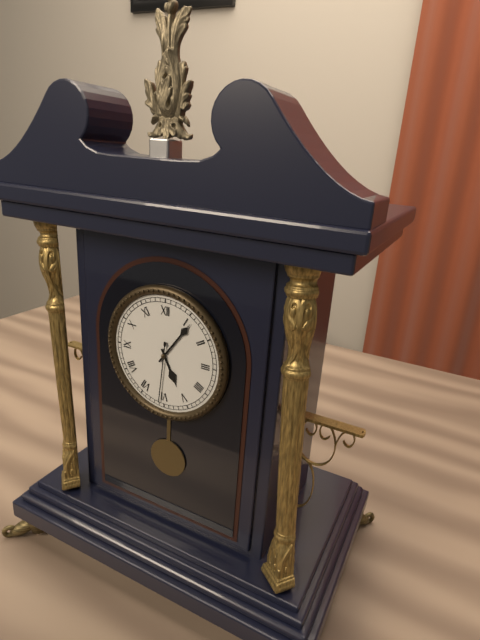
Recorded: 5:06:31
